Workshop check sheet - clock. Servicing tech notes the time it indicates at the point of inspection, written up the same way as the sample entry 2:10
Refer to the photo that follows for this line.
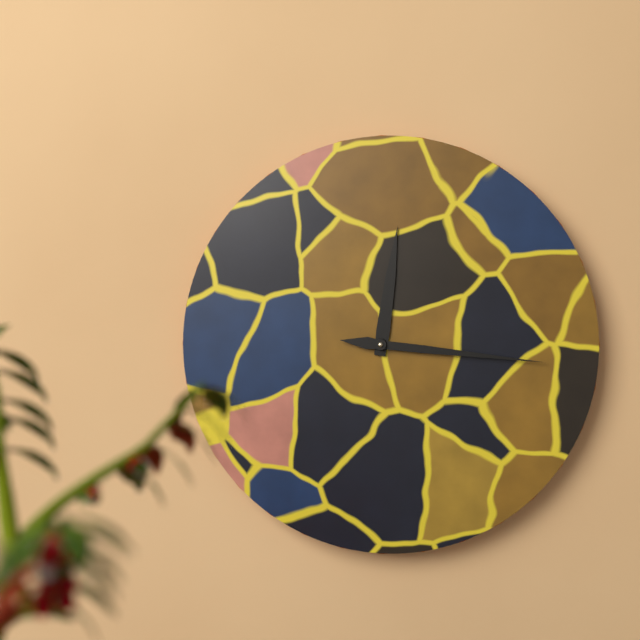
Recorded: 12:16
